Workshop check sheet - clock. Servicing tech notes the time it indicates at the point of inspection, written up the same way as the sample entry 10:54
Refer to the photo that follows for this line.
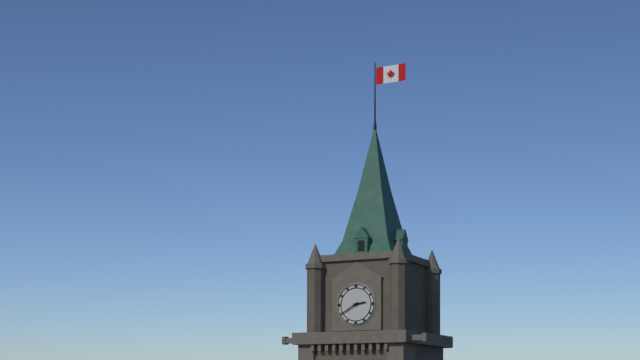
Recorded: 2:40
